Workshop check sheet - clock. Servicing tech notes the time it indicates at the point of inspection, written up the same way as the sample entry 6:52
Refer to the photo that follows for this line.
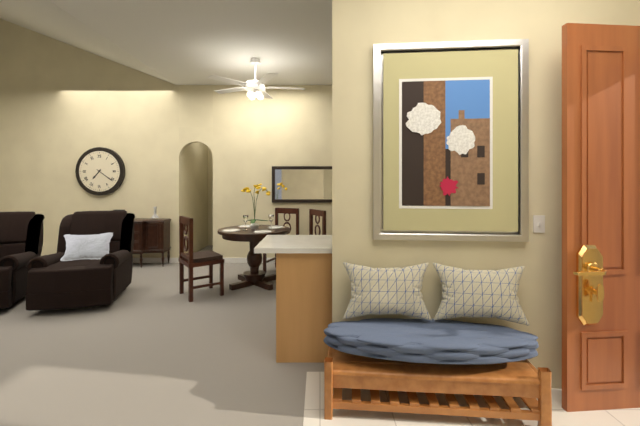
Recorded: 7:21
